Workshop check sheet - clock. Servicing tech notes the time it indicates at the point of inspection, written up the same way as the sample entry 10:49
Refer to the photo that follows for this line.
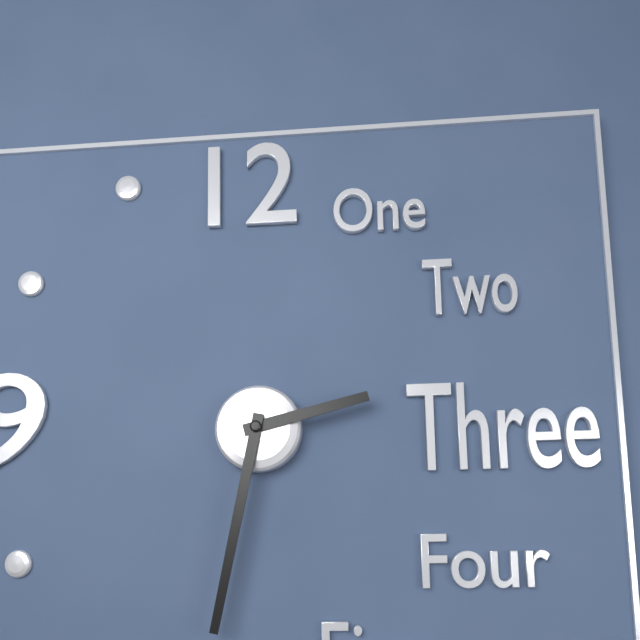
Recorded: 2:32
